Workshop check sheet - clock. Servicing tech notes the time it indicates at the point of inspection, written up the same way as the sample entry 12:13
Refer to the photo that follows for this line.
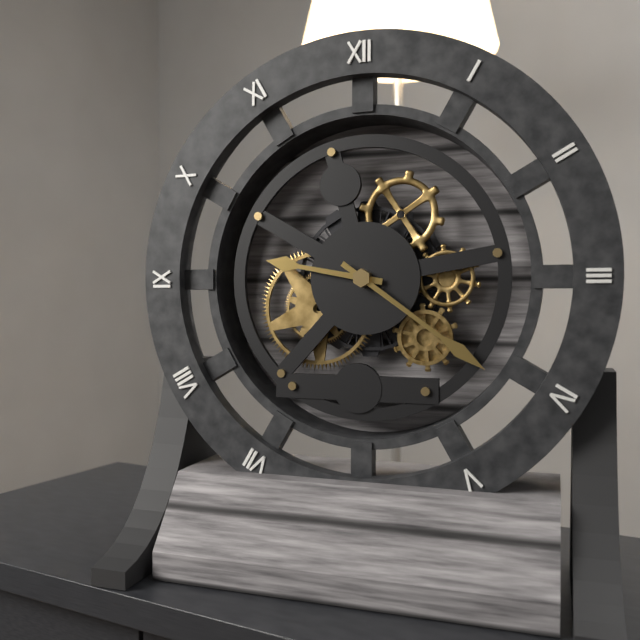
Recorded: 9:21
